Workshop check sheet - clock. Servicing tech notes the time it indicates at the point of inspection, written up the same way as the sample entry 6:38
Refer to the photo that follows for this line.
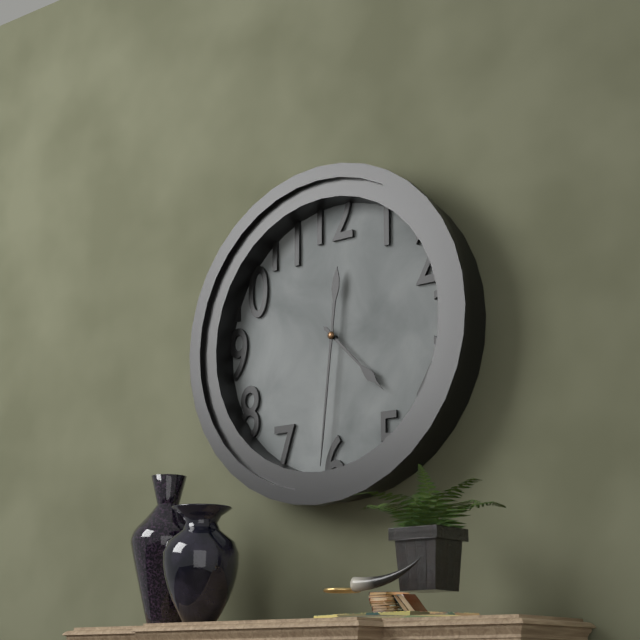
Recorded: 4:31
